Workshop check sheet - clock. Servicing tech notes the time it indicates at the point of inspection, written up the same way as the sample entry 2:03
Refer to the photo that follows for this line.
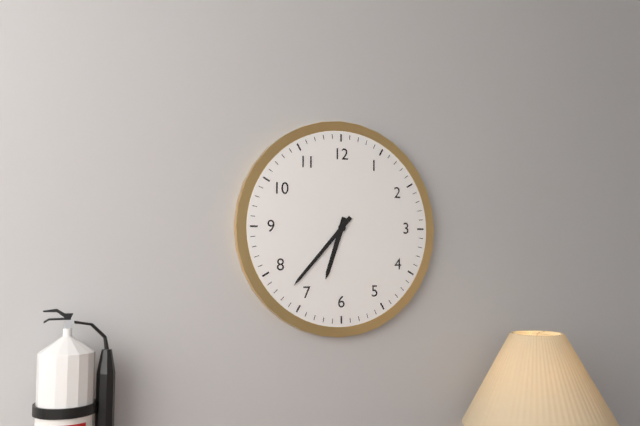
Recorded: 6:37
